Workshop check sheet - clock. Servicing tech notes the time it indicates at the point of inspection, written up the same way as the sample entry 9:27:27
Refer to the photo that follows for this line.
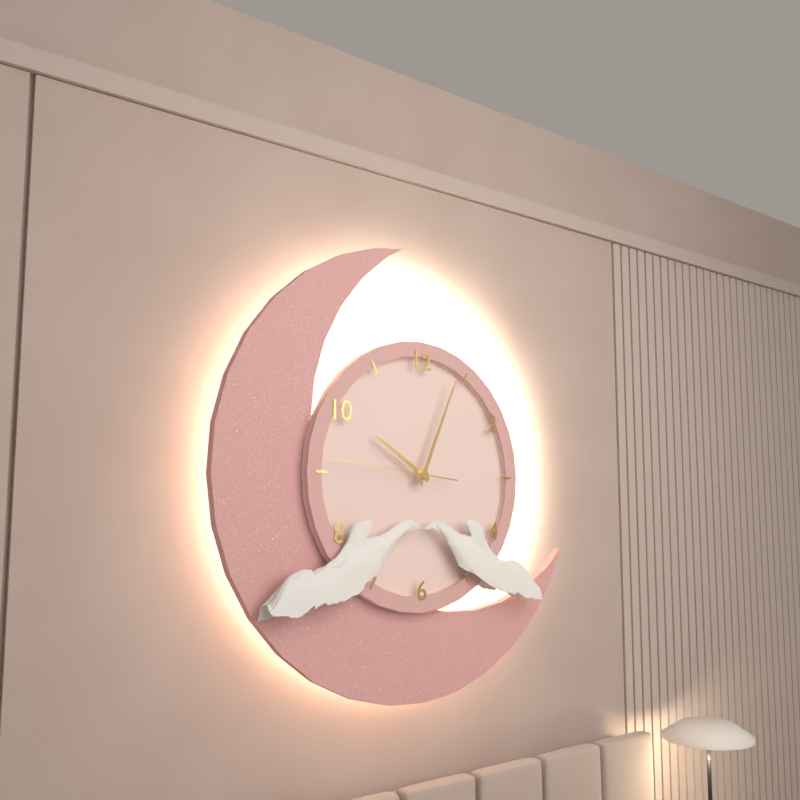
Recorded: 10:04:46
